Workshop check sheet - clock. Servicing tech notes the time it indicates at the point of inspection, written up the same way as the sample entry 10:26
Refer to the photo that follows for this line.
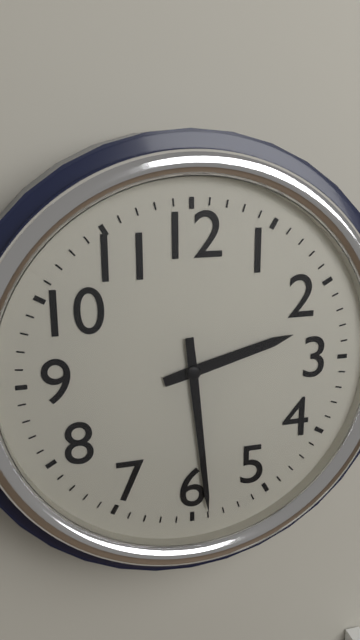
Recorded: 2:29
